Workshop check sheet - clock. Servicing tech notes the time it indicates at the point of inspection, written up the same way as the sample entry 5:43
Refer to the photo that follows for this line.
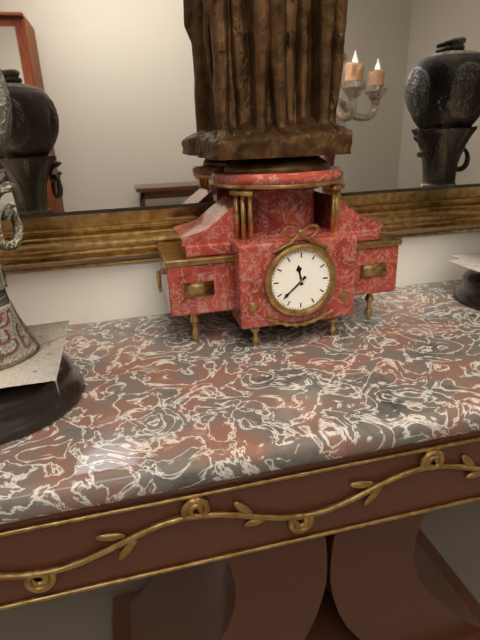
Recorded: 11:38
